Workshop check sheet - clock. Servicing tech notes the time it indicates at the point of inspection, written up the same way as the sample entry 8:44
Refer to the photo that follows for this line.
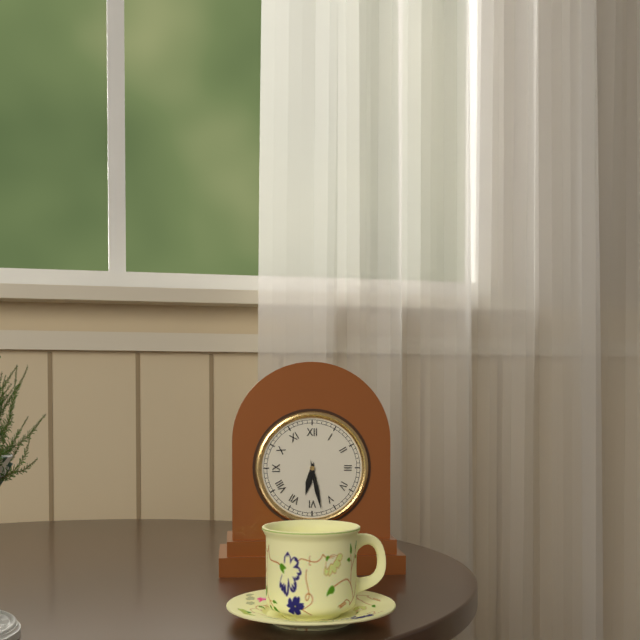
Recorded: 6:28
